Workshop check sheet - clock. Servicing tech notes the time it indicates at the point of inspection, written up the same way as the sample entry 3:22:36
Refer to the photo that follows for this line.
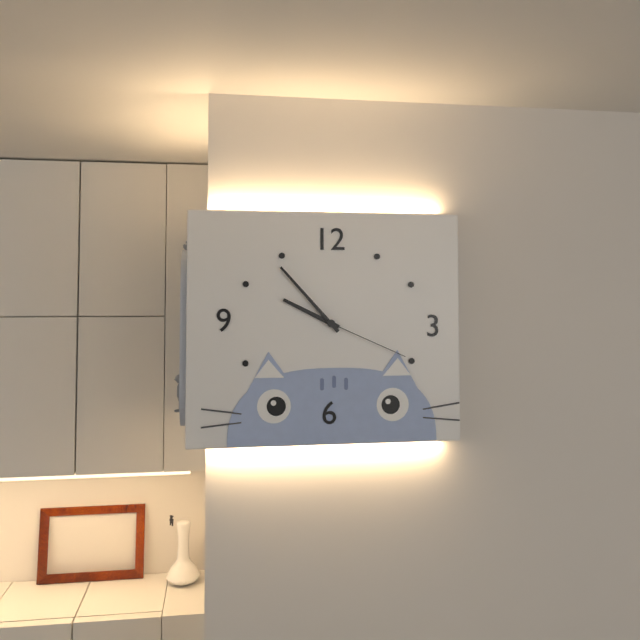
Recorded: 9:53:19
